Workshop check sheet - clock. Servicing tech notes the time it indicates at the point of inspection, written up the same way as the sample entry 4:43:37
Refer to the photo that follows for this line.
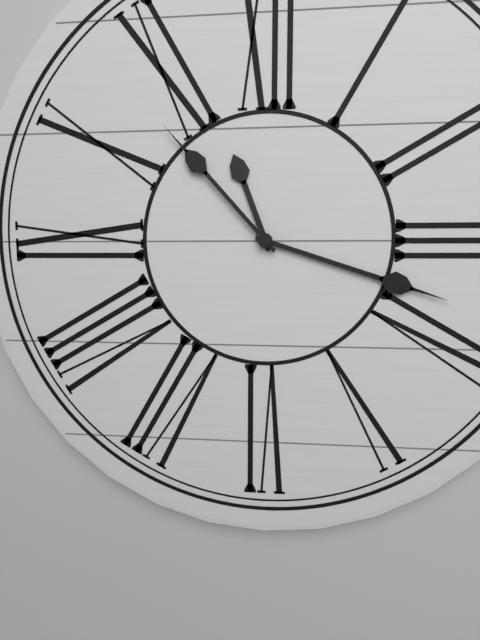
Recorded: 11:18:53
